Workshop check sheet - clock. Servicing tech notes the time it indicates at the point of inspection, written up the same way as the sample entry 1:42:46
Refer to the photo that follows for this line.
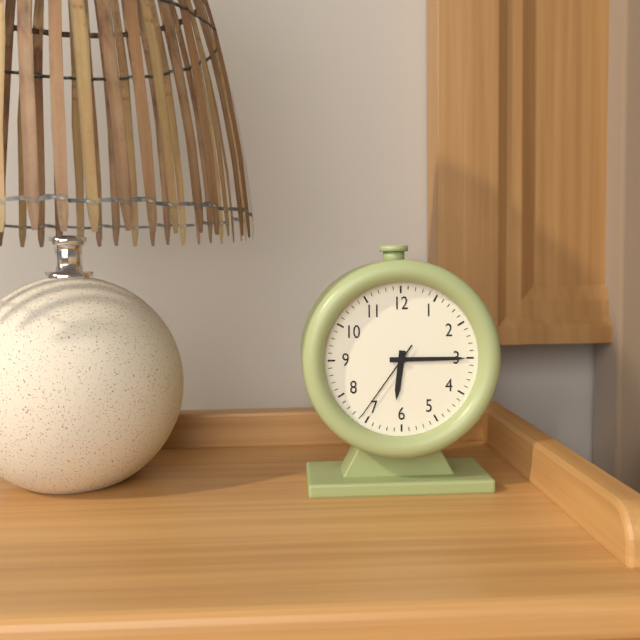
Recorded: 6:15:36
